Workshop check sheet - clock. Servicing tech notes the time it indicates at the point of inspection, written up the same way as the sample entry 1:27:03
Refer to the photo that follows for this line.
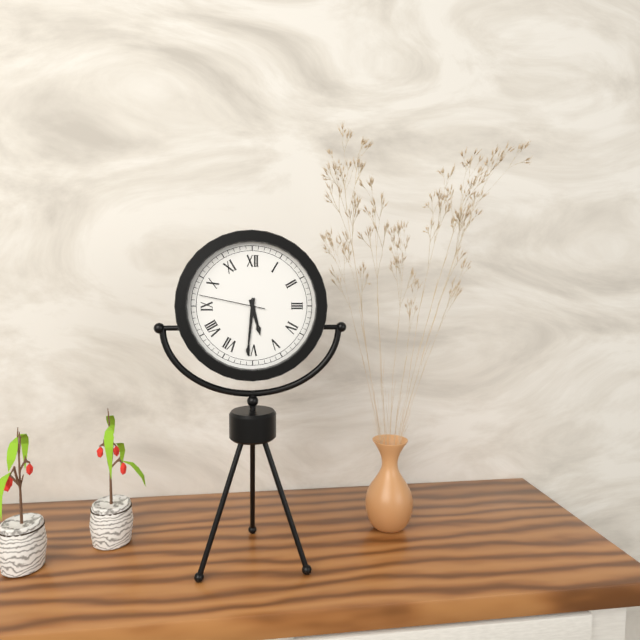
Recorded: 5:31:47
